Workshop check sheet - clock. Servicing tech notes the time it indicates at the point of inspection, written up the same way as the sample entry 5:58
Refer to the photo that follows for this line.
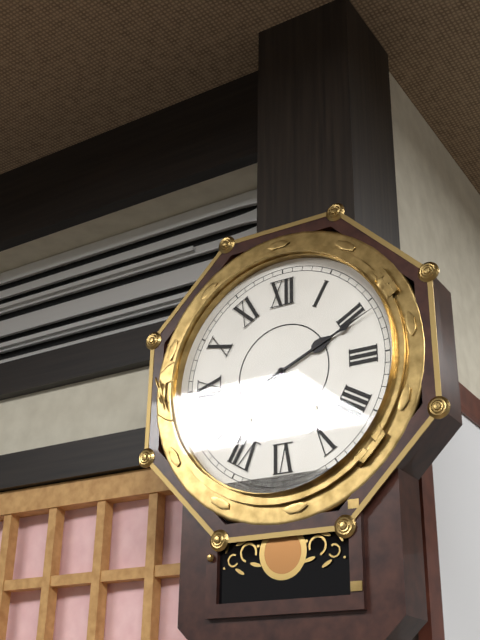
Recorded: 2:11
